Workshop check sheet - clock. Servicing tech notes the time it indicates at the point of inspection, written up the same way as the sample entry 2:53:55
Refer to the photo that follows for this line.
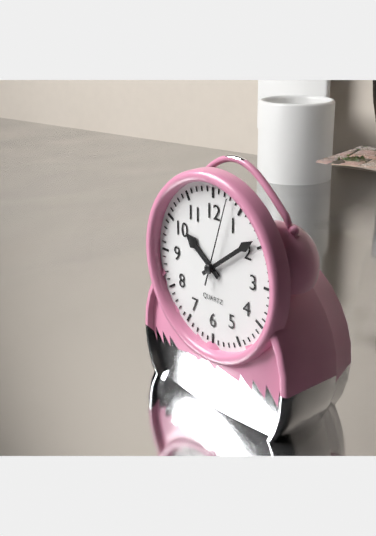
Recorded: 10:09:03
